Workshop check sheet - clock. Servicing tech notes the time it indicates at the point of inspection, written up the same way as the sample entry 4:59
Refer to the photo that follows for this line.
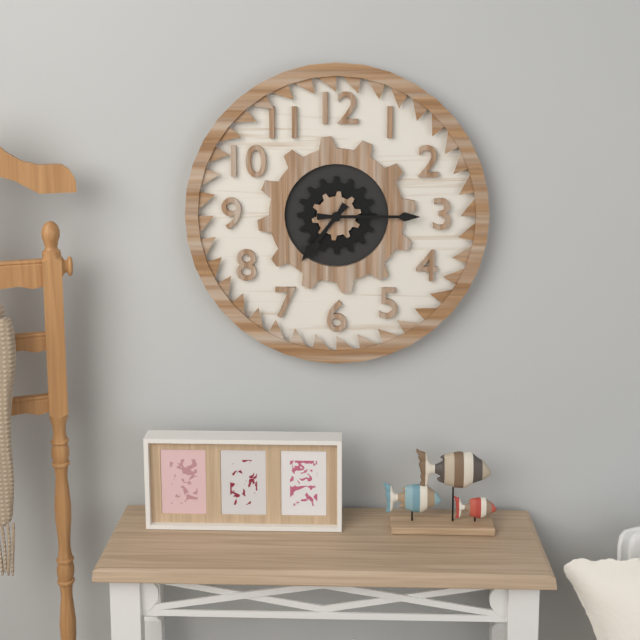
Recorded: 7:15
